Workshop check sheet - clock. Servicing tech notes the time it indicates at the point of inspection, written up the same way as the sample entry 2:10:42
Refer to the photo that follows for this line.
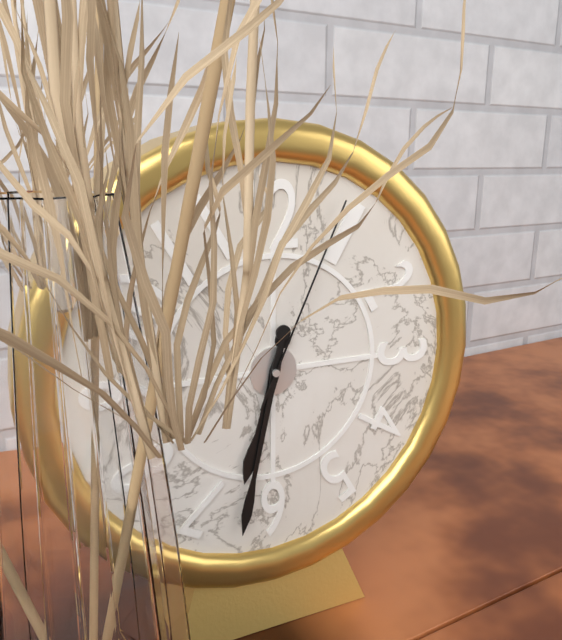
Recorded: 6:32:04
